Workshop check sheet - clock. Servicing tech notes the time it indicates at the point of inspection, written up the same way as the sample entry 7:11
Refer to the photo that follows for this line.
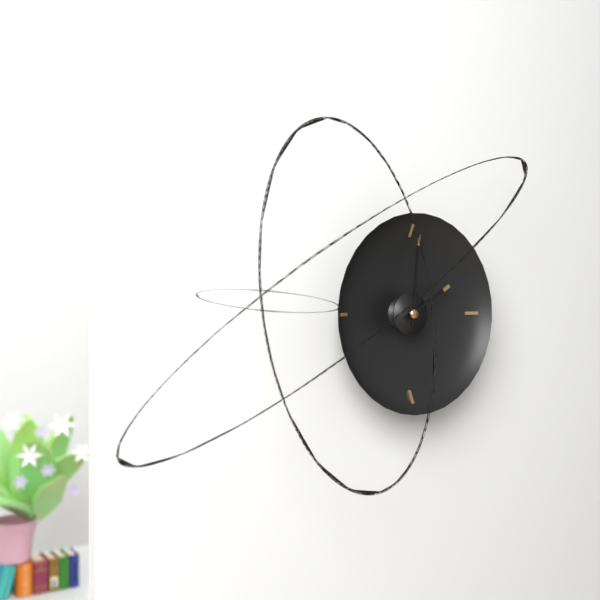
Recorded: 2:01
